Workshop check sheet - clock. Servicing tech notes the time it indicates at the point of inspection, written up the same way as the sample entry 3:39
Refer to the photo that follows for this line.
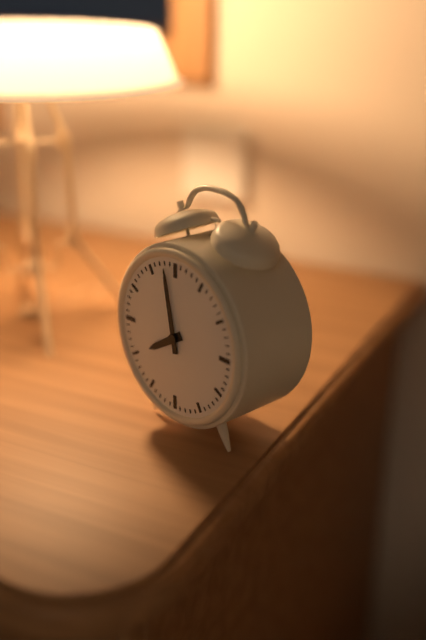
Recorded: 7:58
